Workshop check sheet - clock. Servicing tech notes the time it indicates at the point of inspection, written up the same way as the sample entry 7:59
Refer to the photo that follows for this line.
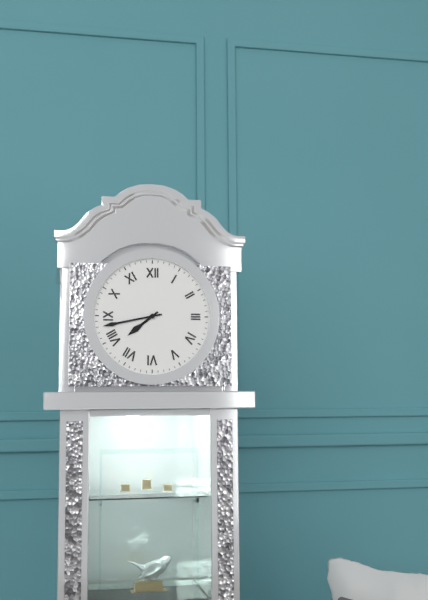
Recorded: 7:43
